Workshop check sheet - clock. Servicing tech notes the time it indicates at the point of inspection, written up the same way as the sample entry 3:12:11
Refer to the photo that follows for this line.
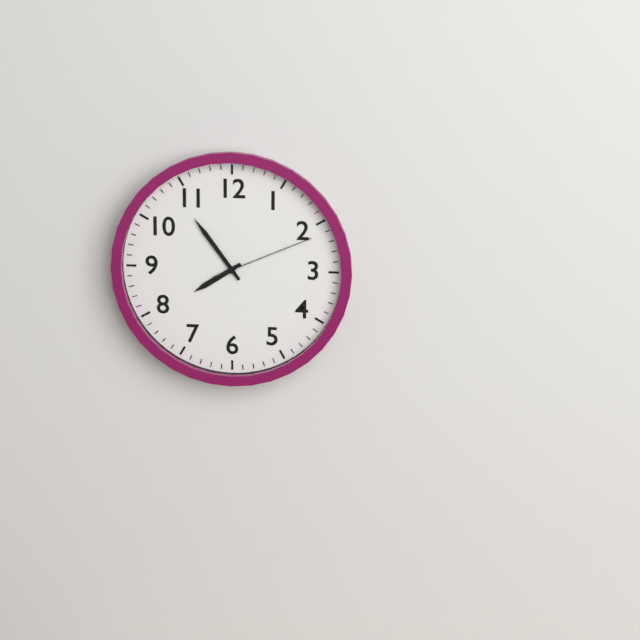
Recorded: 7:54:11
